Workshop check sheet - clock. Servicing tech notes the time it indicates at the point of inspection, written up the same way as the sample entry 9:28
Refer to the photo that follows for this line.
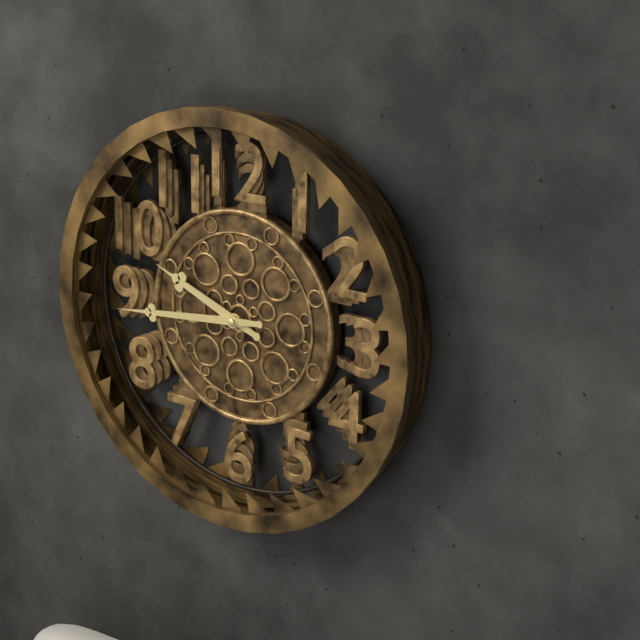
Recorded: 9:44
